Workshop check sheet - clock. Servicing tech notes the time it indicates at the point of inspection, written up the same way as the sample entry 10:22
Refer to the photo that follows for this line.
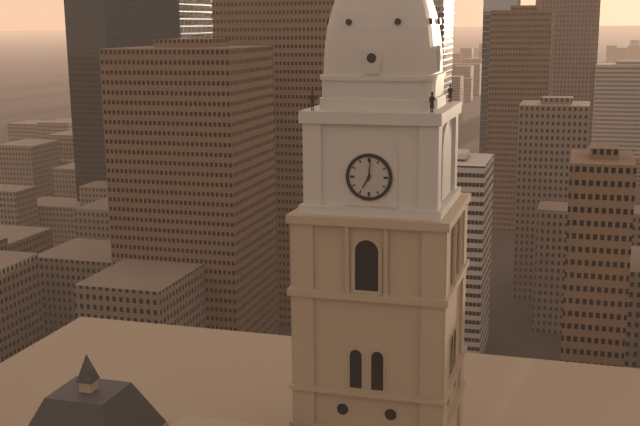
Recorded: 7:01
